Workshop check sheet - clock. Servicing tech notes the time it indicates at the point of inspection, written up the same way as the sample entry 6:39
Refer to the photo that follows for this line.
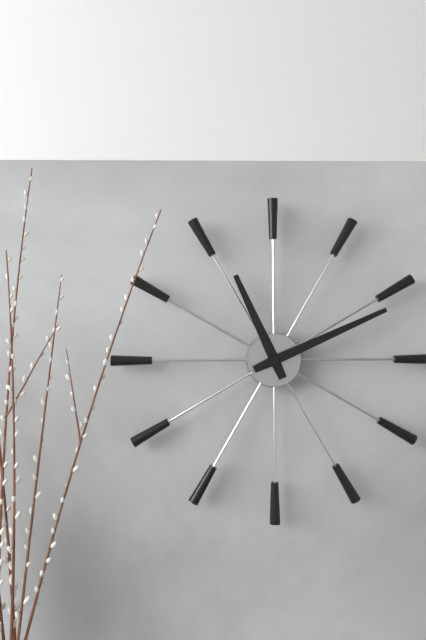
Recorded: 11:11
